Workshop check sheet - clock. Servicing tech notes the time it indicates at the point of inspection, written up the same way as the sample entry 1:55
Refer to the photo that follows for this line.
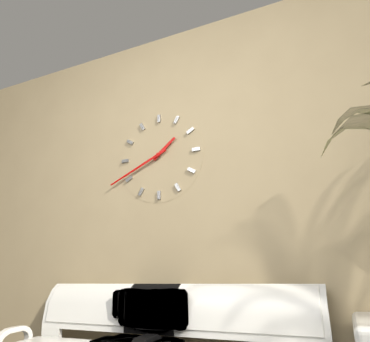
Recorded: 1:41
